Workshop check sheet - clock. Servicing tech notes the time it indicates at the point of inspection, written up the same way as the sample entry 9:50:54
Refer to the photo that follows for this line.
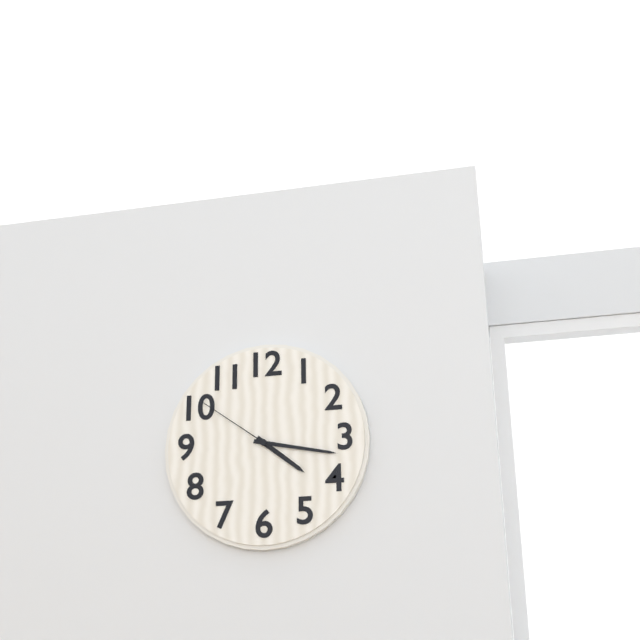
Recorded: 4:17:51
